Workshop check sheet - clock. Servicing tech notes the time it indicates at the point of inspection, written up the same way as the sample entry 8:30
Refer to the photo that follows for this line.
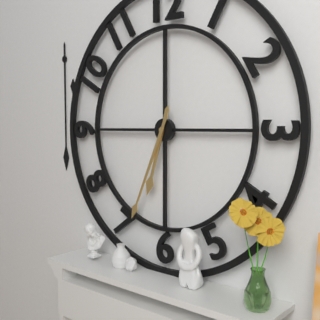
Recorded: 6:34
